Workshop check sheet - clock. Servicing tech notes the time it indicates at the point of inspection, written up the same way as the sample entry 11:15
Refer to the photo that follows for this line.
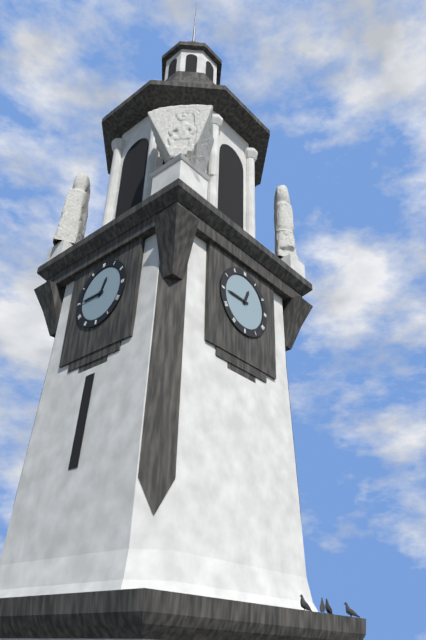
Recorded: 12:45
